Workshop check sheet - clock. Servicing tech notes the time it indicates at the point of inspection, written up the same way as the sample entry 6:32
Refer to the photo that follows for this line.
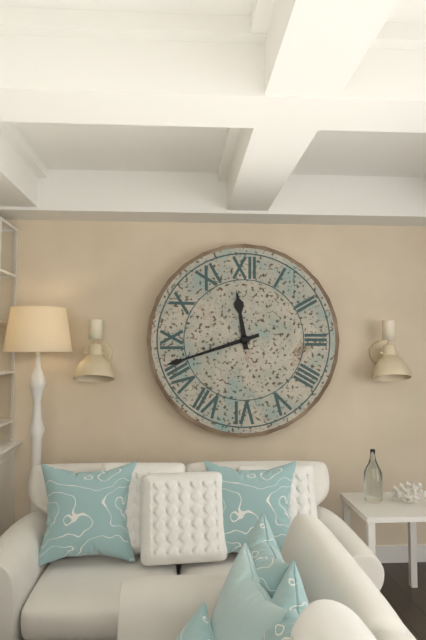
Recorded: 11:42
